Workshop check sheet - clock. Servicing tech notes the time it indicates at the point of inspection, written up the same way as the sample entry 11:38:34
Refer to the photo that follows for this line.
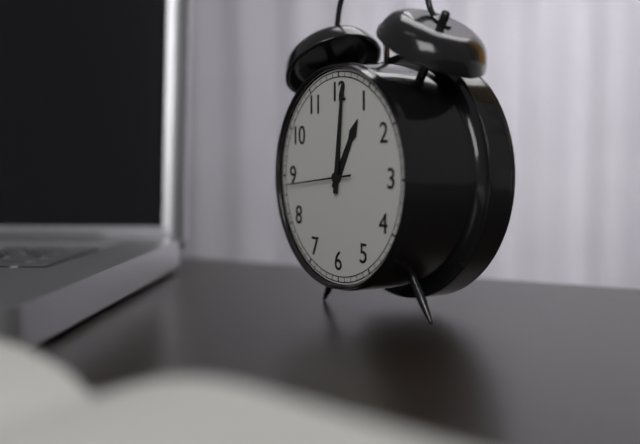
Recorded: 1:01:44
